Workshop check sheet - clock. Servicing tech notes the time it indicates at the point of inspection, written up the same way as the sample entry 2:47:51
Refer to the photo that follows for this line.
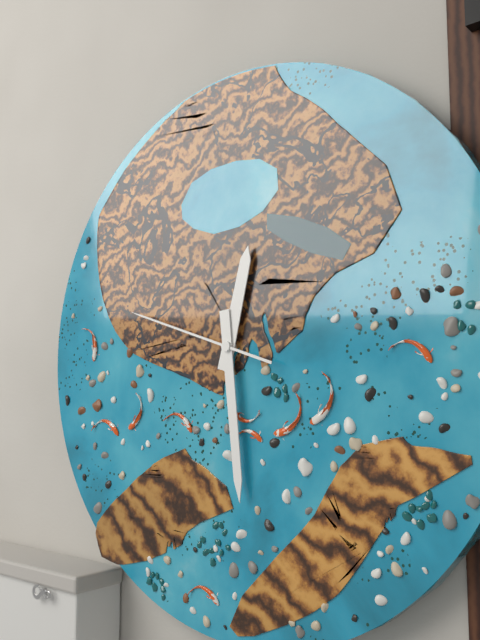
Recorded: 12:29:48
